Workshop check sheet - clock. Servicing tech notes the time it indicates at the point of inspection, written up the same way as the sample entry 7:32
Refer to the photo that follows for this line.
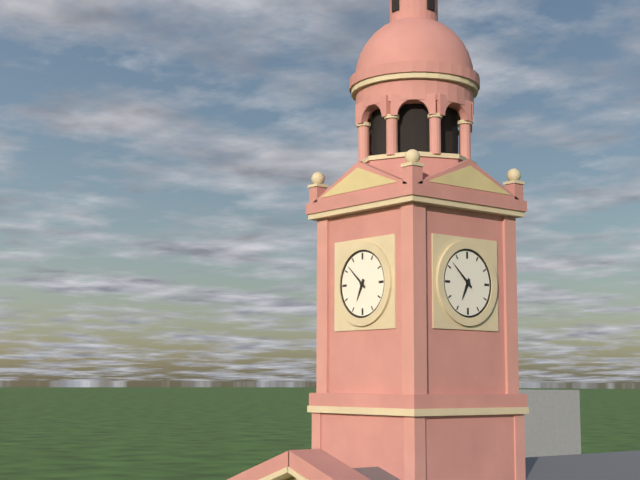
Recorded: 6:52
